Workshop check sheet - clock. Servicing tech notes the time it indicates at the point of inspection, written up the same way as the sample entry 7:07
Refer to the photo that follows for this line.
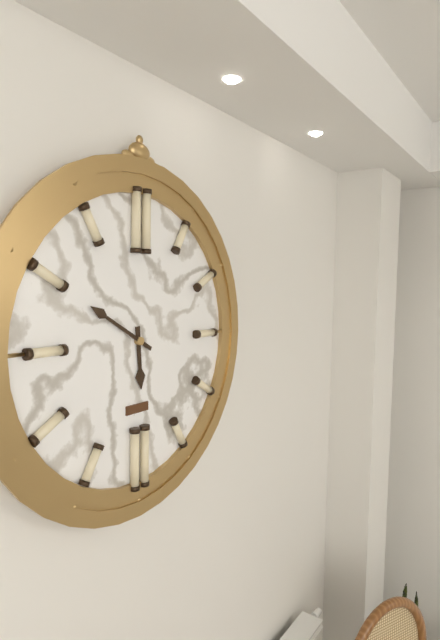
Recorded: 5:50
